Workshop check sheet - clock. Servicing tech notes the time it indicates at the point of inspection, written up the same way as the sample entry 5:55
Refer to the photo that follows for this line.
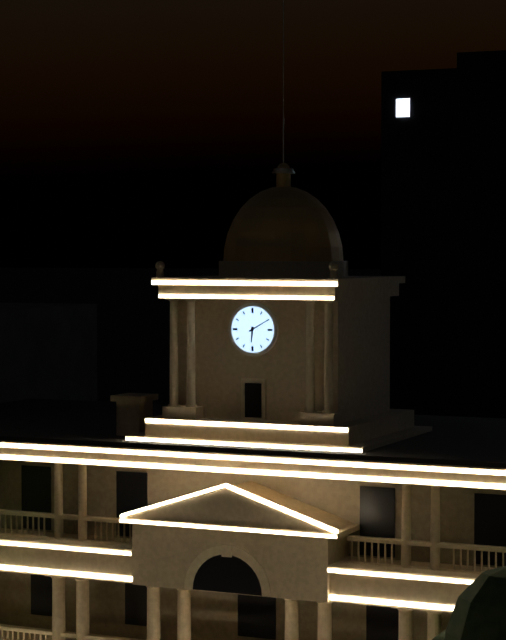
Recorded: 6:10
